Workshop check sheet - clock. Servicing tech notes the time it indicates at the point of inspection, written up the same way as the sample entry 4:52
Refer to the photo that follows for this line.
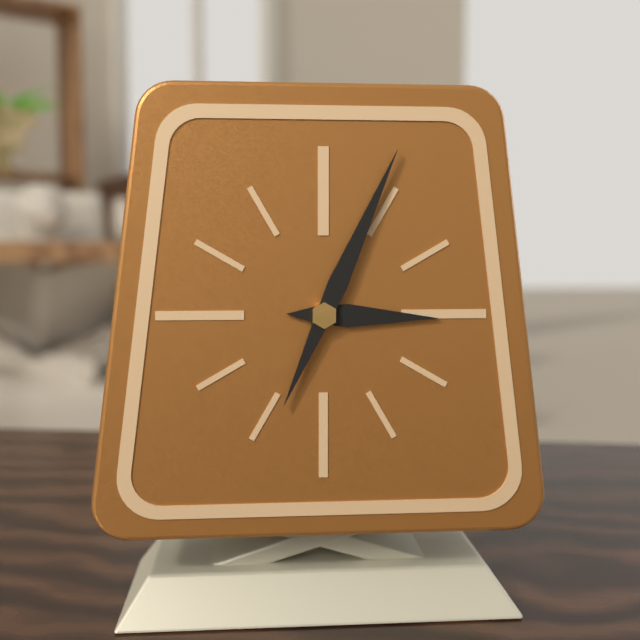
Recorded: 3:04
